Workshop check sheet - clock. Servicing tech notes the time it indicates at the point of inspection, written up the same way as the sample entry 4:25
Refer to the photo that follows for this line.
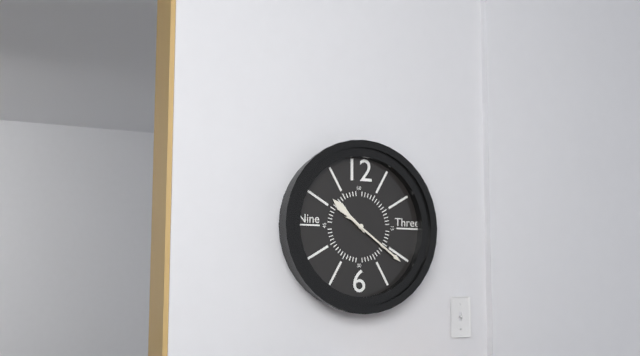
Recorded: 10:21
